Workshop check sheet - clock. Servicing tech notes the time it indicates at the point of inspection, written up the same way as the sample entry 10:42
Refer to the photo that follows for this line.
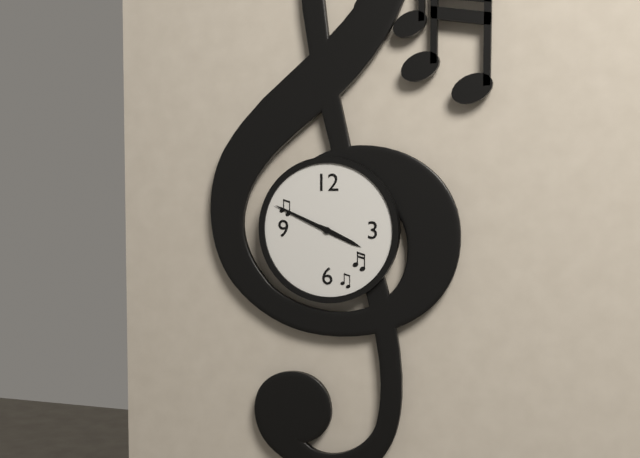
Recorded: 3:49
